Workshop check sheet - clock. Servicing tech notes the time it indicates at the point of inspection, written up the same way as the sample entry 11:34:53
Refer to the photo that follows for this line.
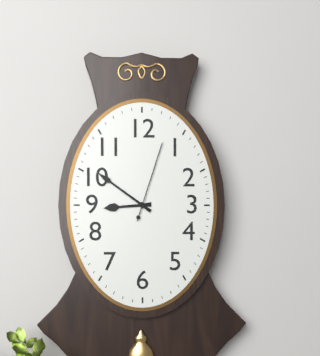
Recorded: 8:51:03
